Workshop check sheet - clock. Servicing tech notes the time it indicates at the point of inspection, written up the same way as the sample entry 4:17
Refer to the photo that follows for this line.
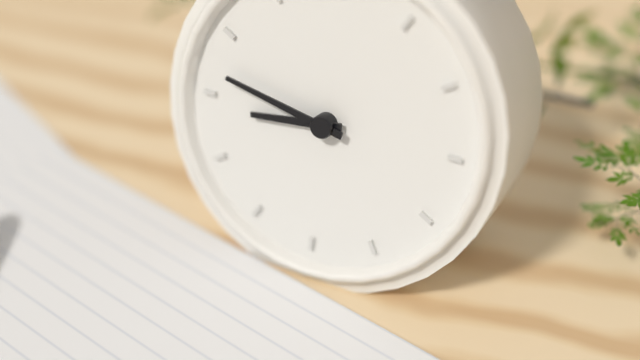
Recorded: 8:47
